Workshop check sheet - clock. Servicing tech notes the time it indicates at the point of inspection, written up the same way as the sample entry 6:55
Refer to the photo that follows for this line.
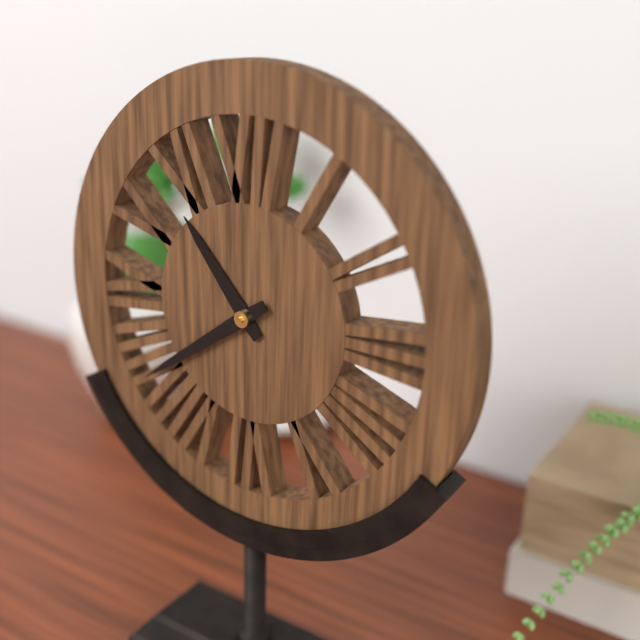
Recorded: 10:39
